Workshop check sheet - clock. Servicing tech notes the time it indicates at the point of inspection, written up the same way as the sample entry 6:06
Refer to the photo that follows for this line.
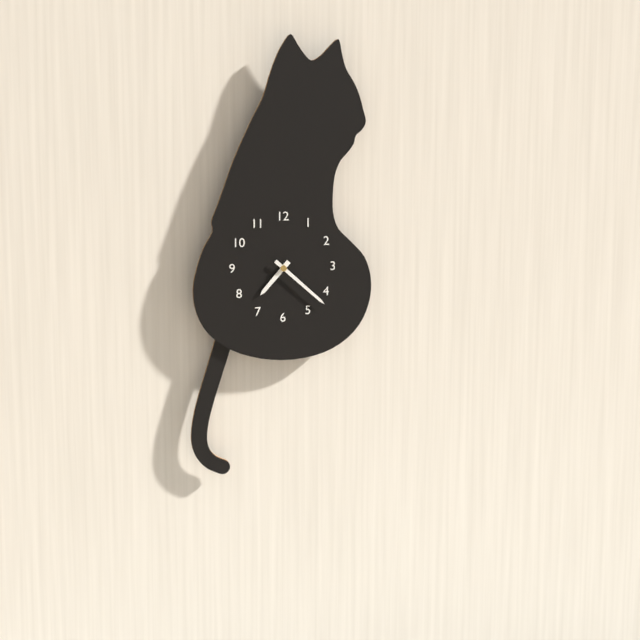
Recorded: 7:22
